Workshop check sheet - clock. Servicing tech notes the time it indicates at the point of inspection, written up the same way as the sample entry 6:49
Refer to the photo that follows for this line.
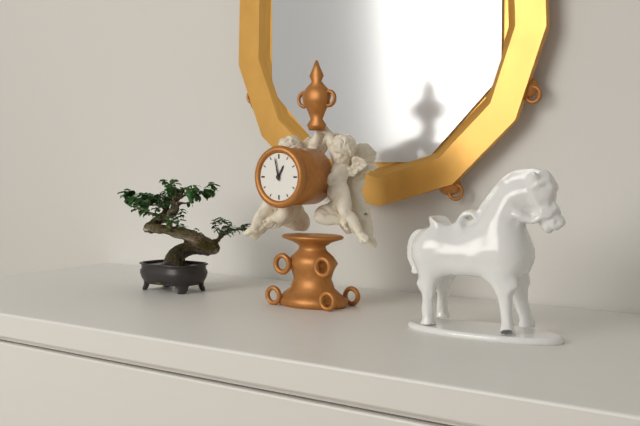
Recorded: 12:58
